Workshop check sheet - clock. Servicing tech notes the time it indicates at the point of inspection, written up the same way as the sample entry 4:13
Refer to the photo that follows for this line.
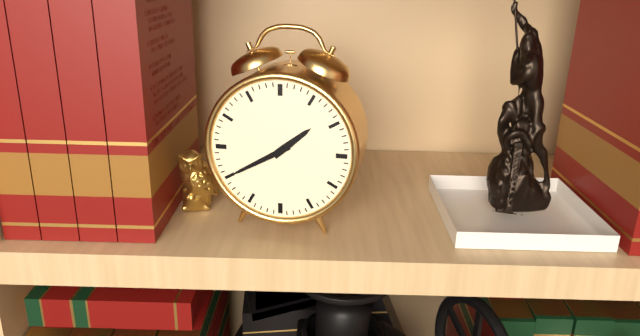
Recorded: 1:40
